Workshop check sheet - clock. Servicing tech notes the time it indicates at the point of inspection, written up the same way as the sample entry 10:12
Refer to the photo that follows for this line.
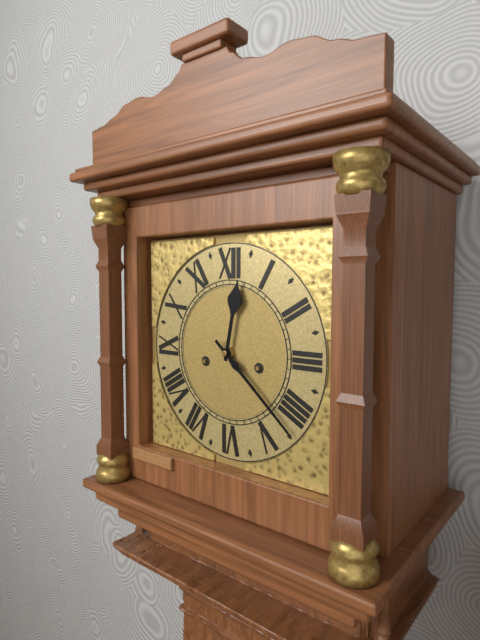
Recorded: 12:22
